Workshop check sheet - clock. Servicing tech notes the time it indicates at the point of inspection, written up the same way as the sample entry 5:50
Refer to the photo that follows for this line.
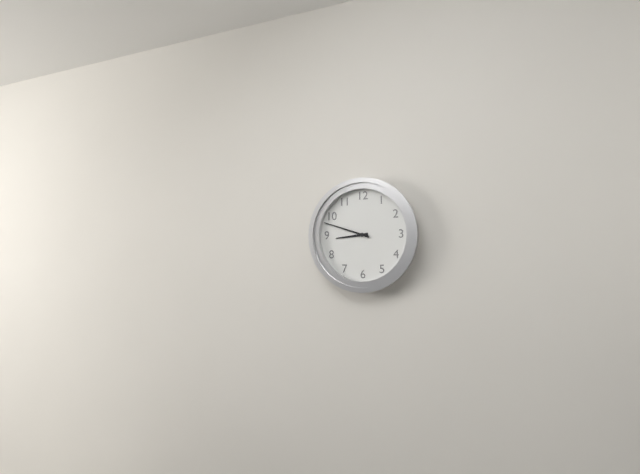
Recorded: 8:48
